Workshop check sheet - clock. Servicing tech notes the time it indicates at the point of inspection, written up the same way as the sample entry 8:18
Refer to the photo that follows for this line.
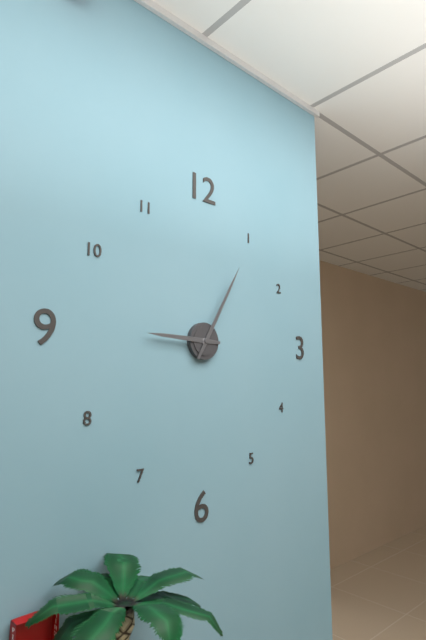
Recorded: 9:05
